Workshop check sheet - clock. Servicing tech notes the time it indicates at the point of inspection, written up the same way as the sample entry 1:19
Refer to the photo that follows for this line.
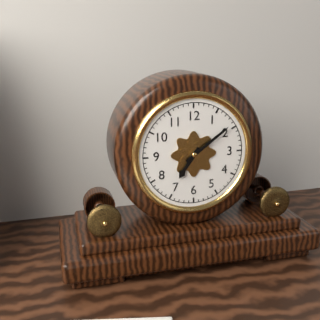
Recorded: 7:09
